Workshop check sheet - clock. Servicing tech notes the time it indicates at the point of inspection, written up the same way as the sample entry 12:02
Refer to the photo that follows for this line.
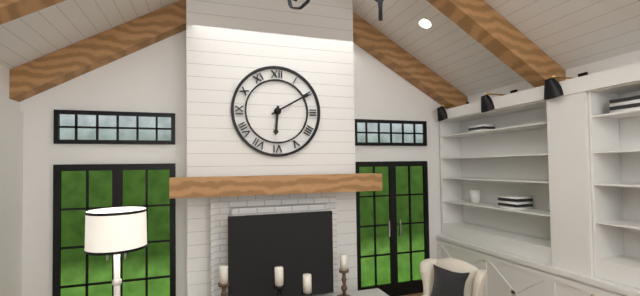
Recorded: 6:10
